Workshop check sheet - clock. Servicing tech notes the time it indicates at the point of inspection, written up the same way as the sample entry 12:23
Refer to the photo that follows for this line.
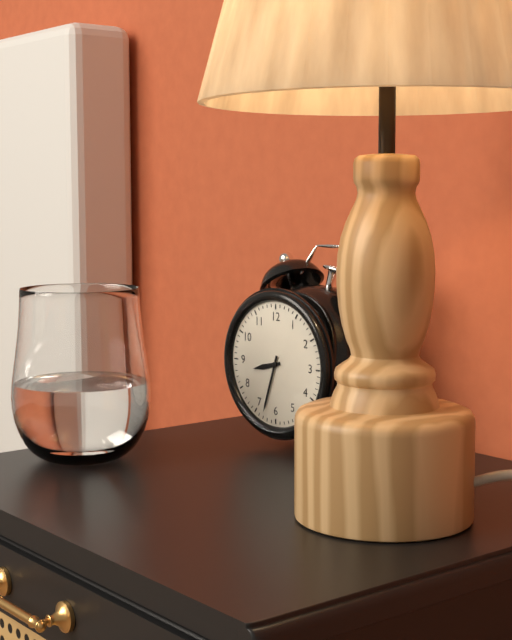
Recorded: 8:33
